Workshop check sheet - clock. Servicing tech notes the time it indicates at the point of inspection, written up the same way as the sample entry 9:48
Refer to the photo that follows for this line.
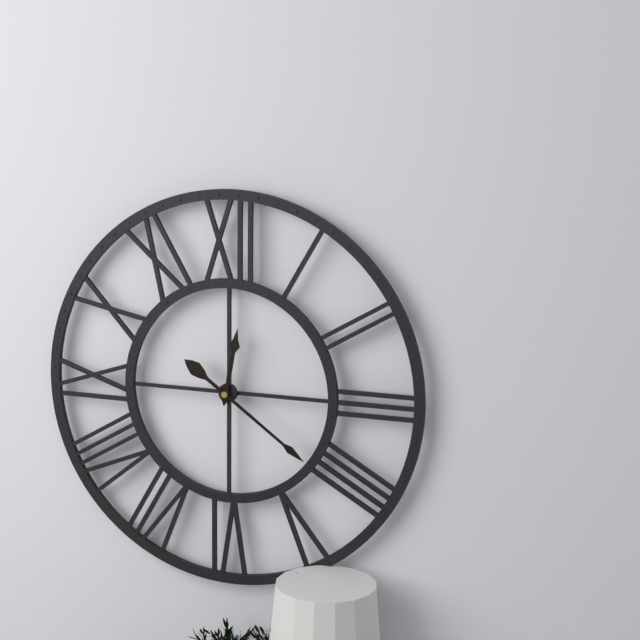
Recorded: 12:21
